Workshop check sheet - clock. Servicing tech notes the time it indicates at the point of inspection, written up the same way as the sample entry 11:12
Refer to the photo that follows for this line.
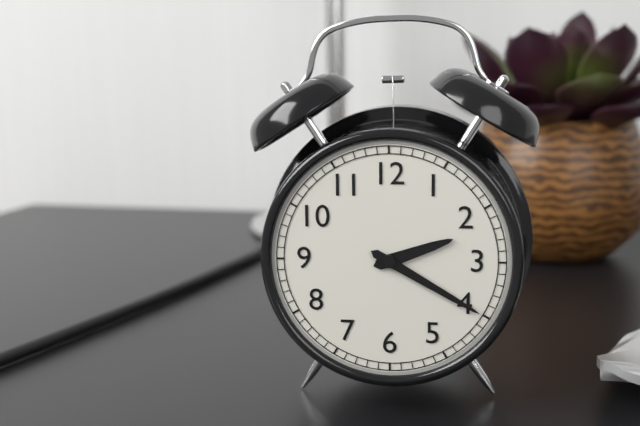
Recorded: 2:20
